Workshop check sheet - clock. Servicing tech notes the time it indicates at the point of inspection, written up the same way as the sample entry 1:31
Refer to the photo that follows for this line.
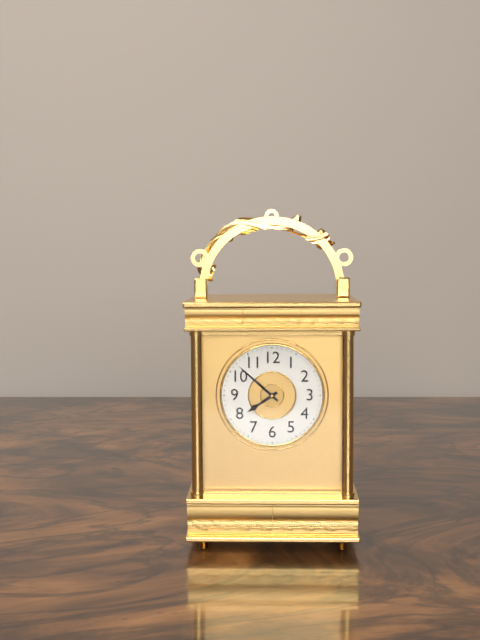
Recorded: 7:52
